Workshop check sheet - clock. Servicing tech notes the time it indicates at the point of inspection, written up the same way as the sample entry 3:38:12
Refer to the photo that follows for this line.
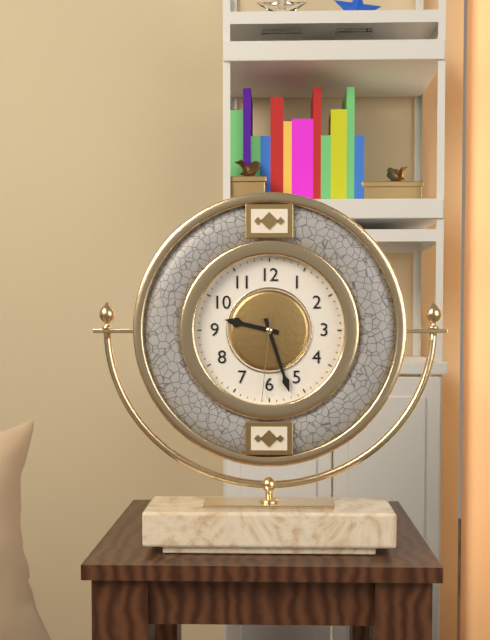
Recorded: 9:27:31
